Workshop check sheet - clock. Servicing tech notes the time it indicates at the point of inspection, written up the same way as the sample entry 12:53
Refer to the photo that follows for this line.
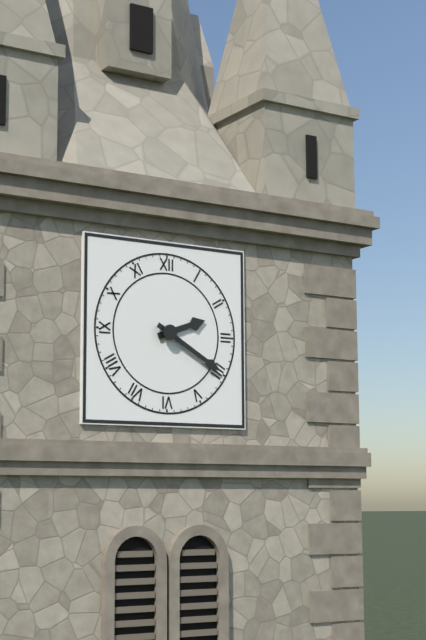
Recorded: 2:20
